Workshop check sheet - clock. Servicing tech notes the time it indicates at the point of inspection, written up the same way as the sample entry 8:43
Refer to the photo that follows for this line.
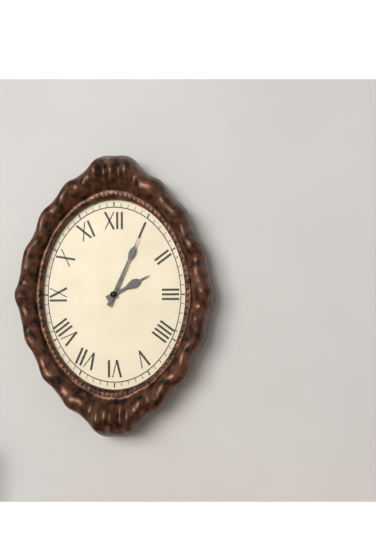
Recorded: 2:04
